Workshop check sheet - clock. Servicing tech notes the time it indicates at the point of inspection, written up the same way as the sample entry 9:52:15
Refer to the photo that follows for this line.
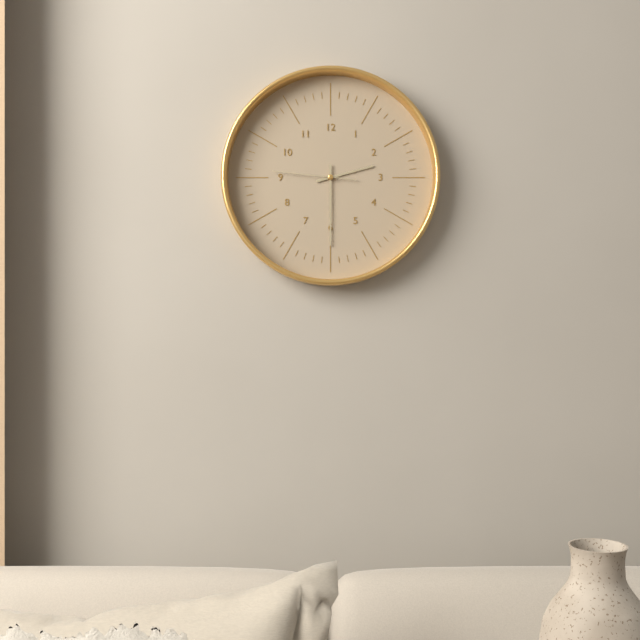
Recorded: 2:30:46
